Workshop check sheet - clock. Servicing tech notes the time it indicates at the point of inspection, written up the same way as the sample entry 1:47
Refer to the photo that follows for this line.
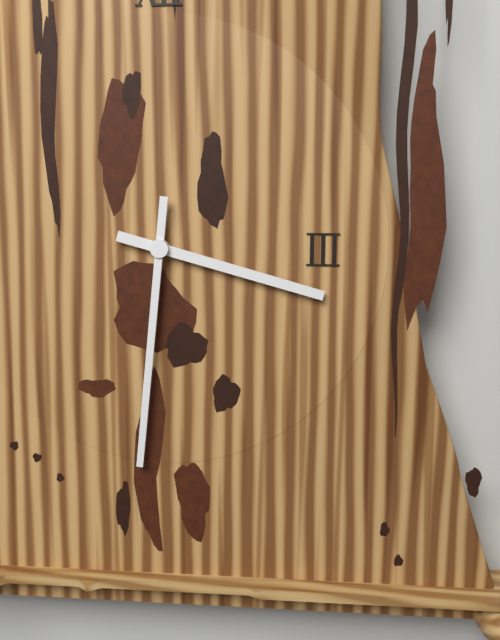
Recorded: 3:31
